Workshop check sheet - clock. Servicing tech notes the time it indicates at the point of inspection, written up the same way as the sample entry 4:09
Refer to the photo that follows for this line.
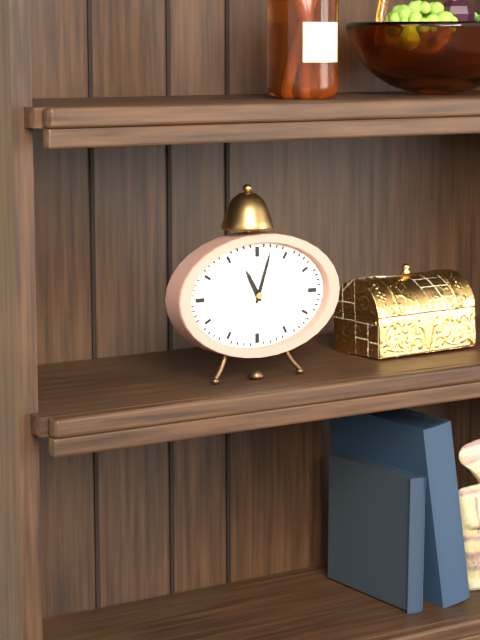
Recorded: 11:03
